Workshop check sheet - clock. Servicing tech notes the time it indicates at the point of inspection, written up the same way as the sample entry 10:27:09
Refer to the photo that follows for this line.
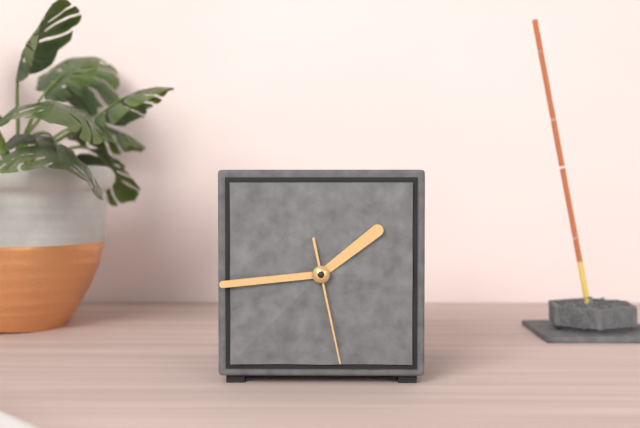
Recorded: 1:44:28
